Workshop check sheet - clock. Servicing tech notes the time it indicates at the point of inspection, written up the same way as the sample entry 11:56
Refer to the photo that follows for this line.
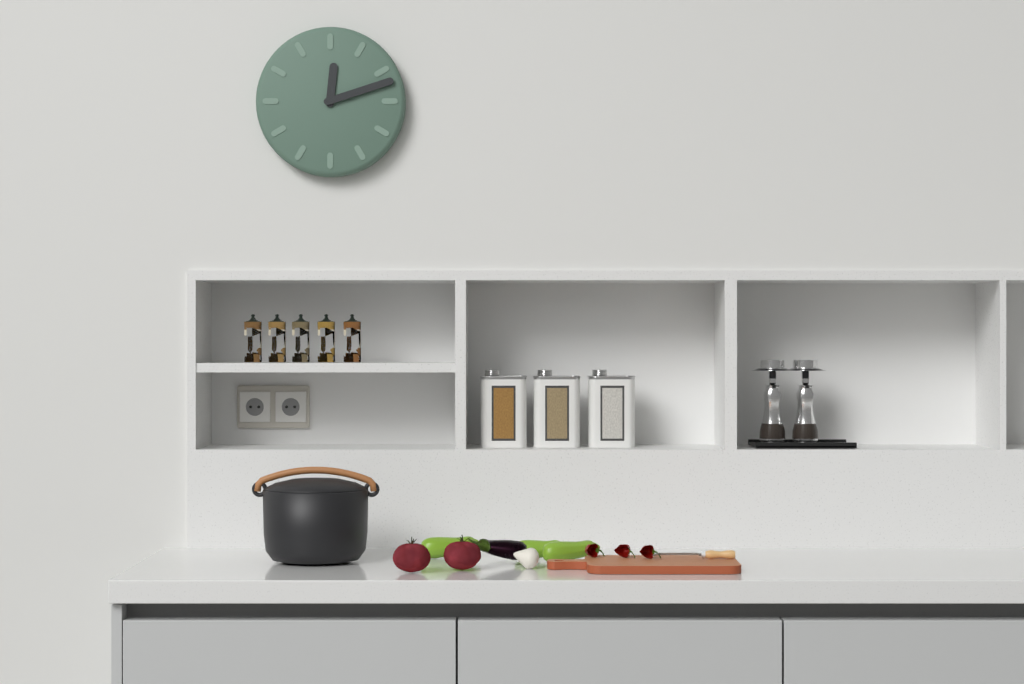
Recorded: 12:12
